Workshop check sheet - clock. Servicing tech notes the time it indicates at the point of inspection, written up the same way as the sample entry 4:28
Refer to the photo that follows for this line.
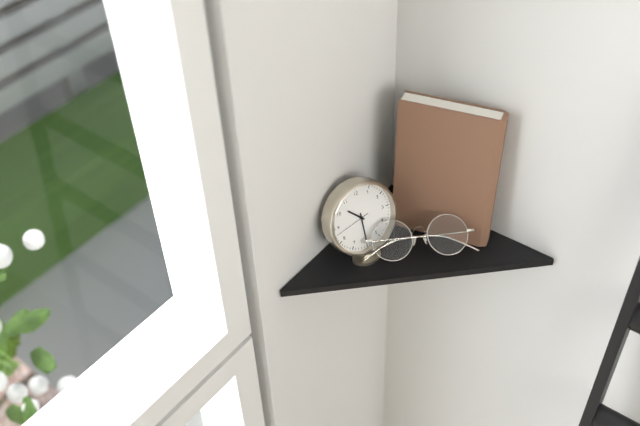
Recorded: 10:30
